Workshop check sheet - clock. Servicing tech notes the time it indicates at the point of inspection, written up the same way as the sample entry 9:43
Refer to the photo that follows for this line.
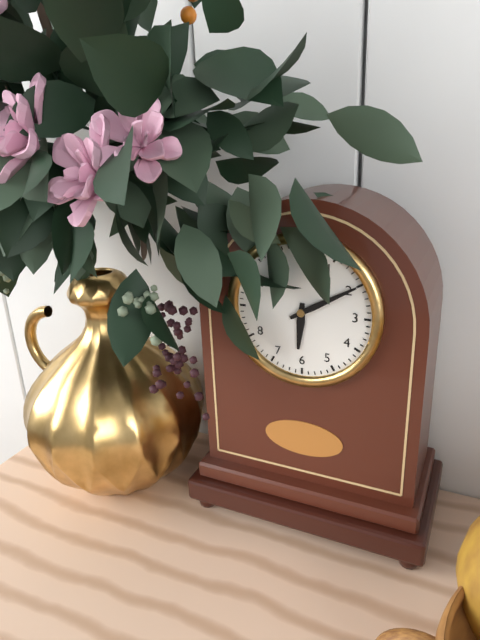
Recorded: 6:10
